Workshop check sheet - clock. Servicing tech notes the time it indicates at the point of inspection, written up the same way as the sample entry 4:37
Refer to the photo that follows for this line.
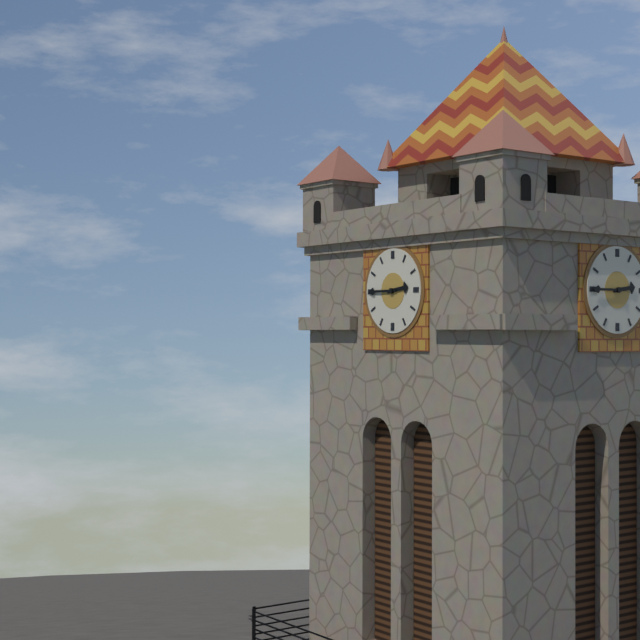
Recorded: 2:45
